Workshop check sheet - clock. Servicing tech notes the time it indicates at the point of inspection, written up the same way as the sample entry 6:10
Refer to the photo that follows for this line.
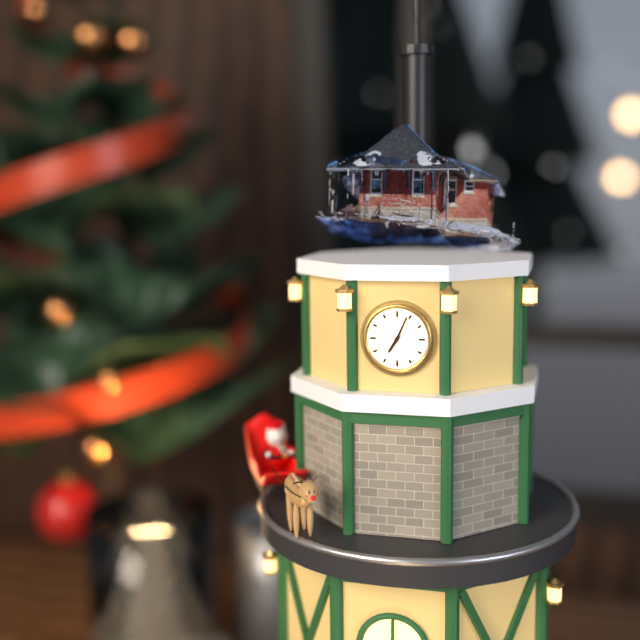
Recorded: 7:04
